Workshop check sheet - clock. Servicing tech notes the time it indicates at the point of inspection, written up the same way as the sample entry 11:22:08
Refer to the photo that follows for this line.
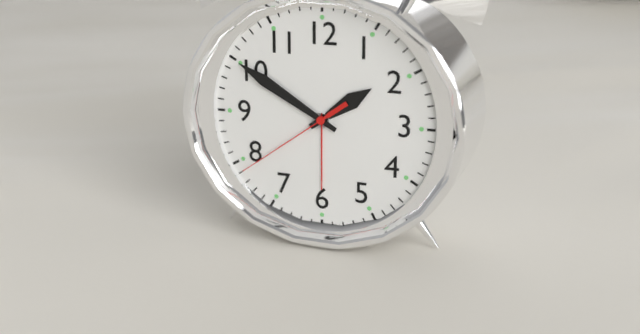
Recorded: 1:50:39
